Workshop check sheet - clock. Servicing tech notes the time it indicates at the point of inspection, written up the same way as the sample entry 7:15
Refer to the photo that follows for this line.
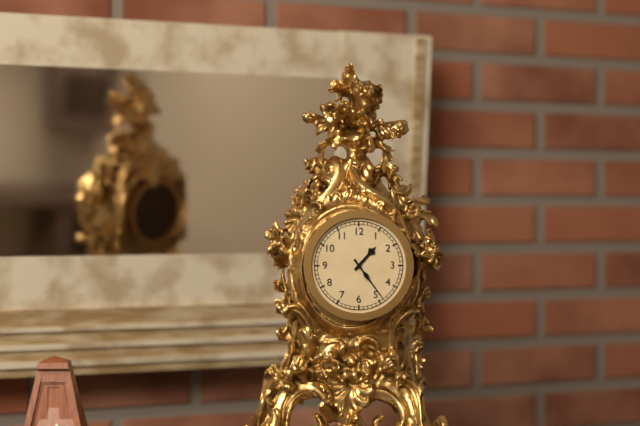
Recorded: 1:24
